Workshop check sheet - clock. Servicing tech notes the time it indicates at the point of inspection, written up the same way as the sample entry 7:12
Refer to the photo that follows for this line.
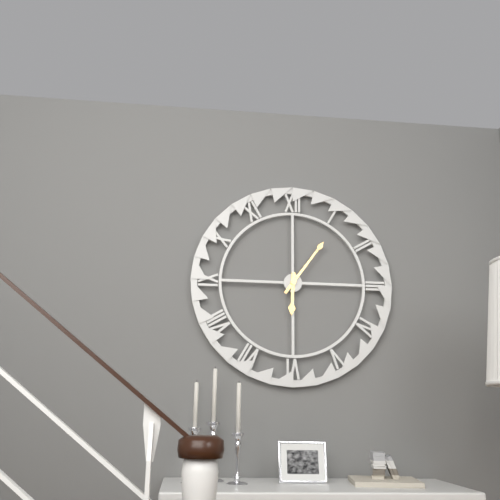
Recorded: 6:06
